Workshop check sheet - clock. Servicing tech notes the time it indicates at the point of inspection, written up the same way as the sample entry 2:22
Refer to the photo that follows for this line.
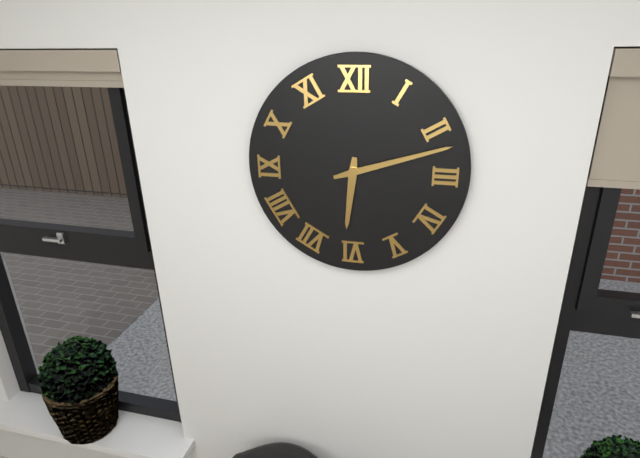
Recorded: 6:12
